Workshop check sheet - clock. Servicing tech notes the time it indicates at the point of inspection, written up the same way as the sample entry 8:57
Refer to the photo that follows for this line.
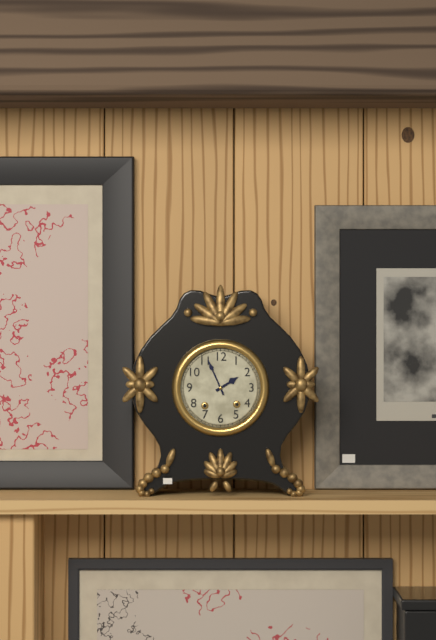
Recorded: 1:56
